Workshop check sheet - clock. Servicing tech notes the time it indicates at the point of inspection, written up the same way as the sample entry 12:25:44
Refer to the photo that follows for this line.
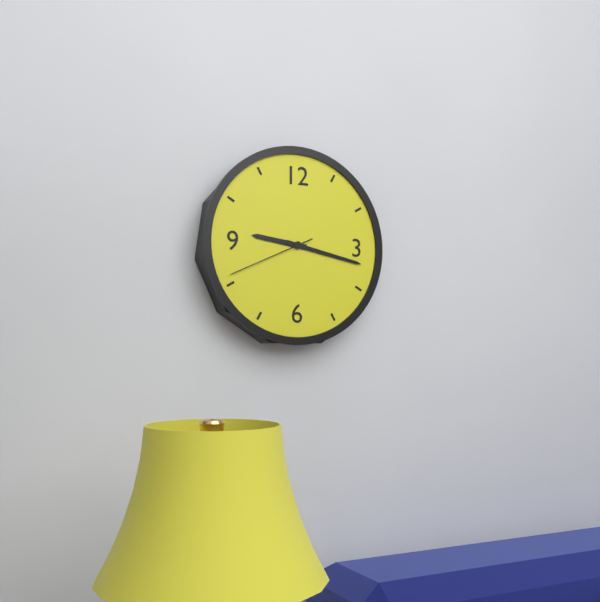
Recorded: 9:17:41
